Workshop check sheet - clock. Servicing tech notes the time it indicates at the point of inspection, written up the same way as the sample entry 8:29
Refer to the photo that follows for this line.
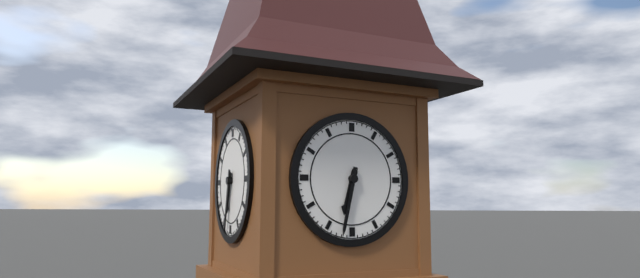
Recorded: 6:32
